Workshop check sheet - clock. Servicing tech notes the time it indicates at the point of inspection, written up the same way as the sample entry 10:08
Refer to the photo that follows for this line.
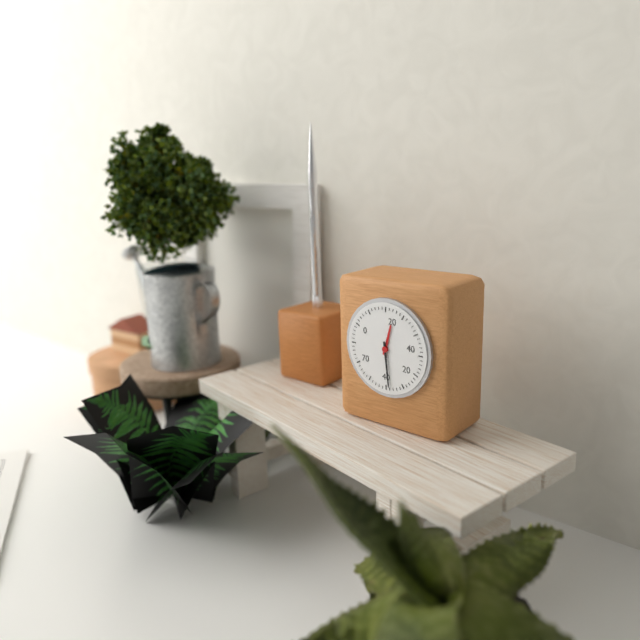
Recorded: 12:29
